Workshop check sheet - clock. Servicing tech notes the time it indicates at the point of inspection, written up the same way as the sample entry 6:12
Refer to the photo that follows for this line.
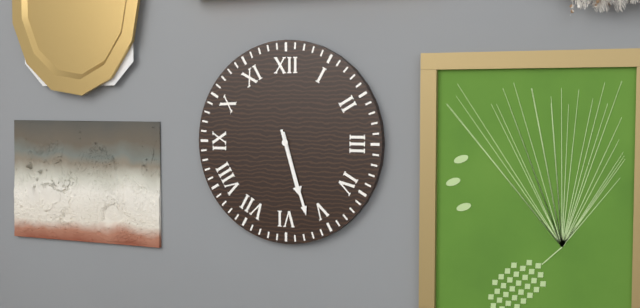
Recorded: 5:27
